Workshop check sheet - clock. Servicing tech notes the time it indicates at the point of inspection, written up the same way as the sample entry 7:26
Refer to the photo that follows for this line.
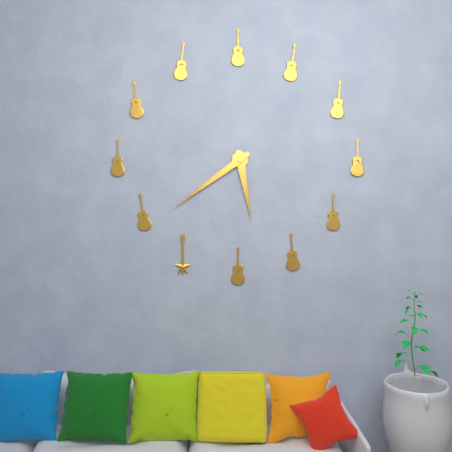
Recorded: 5:39
